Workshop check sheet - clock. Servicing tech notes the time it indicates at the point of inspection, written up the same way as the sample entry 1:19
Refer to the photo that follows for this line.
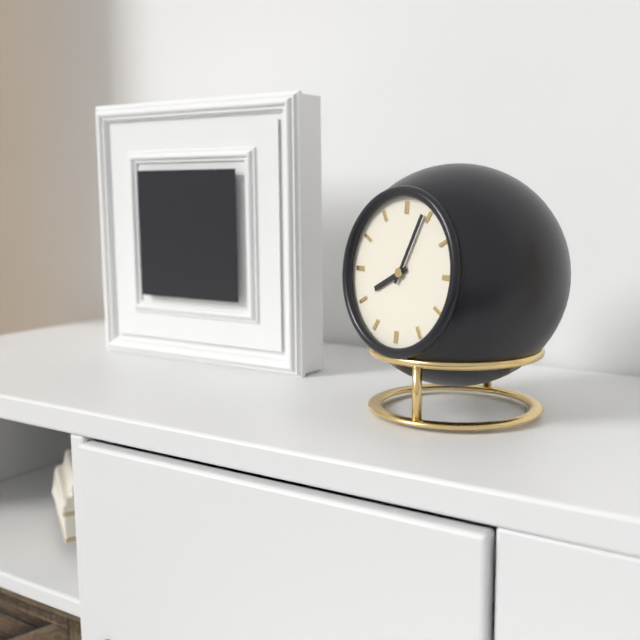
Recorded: 8:04
